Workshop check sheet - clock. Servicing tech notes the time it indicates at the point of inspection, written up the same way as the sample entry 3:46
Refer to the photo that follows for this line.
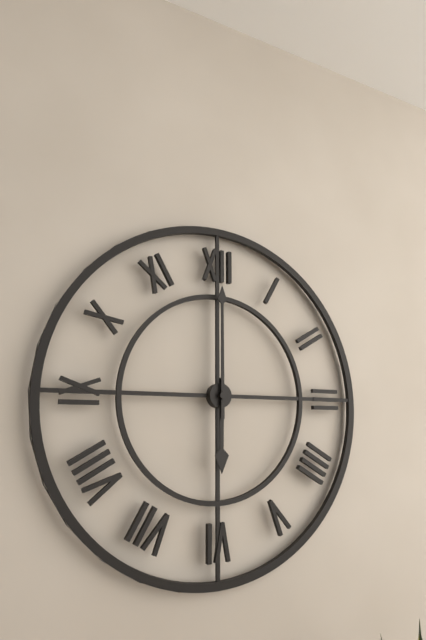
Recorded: 6:00
